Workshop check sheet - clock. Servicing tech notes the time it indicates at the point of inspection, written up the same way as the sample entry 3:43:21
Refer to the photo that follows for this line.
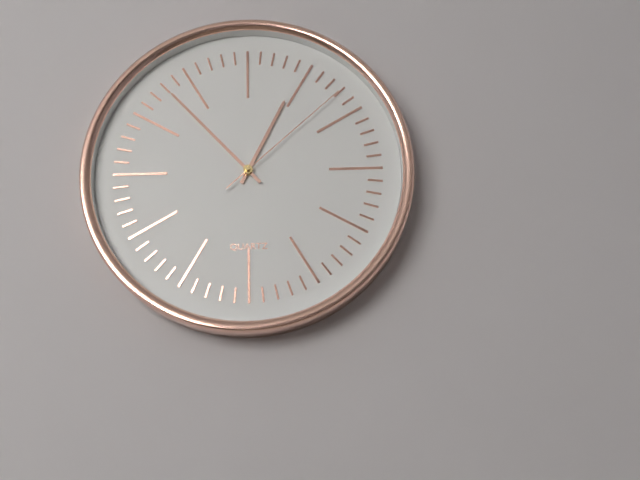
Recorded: 12:53:08
